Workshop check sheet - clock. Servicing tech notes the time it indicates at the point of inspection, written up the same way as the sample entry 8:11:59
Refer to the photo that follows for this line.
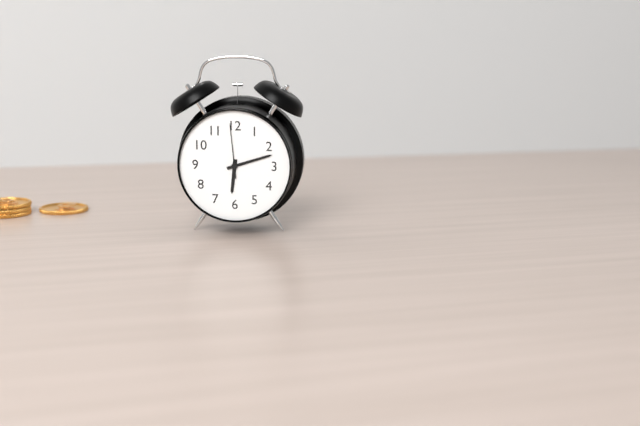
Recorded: 6:12:59
